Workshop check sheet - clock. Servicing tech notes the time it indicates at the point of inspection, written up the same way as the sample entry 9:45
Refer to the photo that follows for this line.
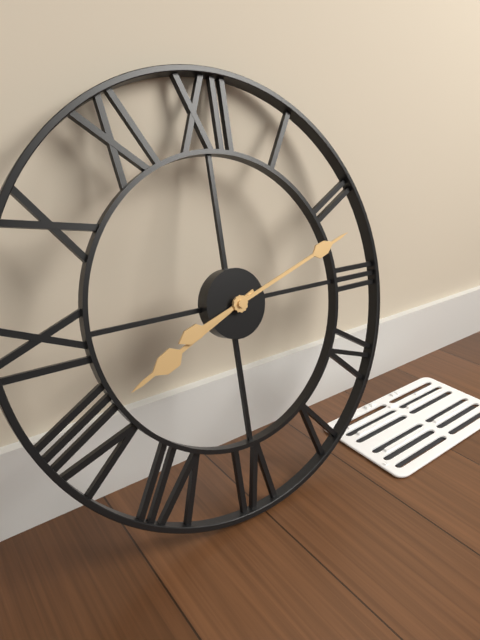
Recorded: 8:12
